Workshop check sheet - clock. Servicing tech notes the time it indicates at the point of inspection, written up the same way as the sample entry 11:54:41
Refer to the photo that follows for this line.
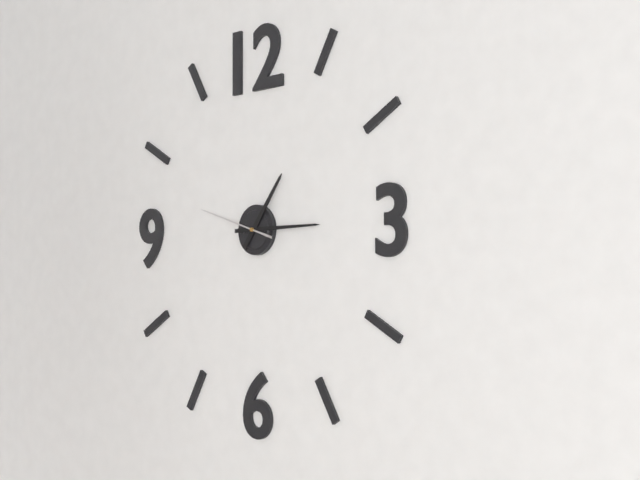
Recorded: 1:15:48
